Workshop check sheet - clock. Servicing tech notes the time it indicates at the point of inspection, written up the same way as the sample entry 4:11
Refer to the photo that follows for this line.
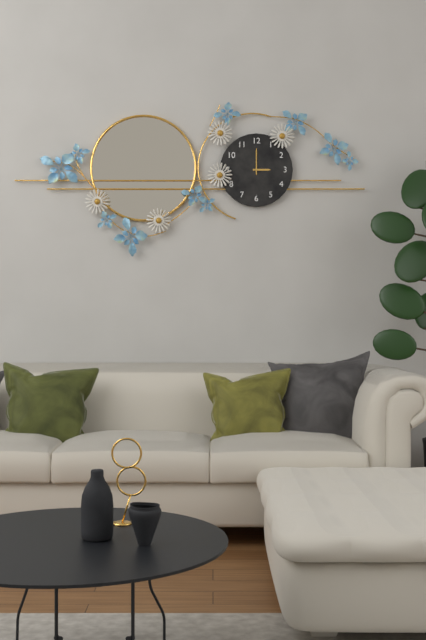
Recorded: 3:00
